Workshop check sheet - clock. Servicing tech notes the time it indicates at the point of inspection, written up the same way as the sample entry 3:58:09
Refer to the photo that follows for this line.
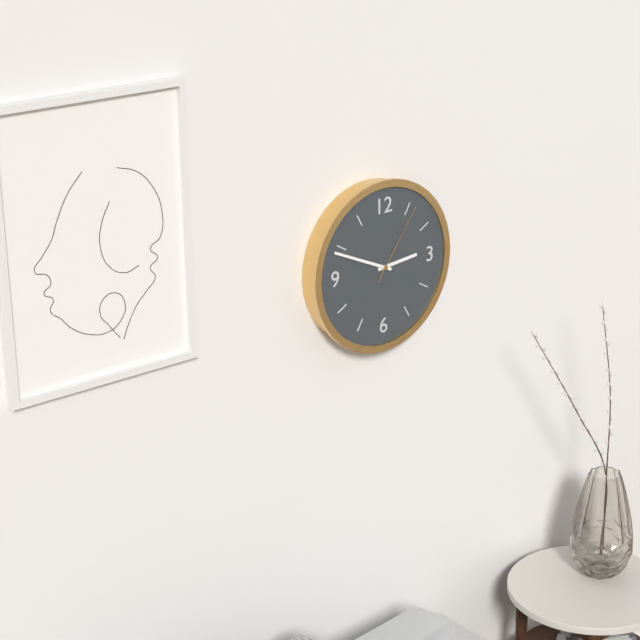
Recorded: 2:49:06
